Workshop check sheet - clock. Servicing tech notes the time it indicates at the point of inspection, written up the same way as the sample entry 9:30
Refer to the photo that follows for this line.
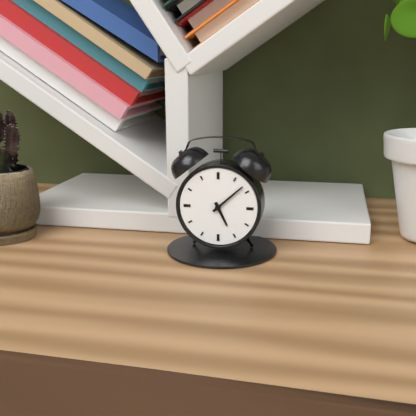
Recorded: 5:08
